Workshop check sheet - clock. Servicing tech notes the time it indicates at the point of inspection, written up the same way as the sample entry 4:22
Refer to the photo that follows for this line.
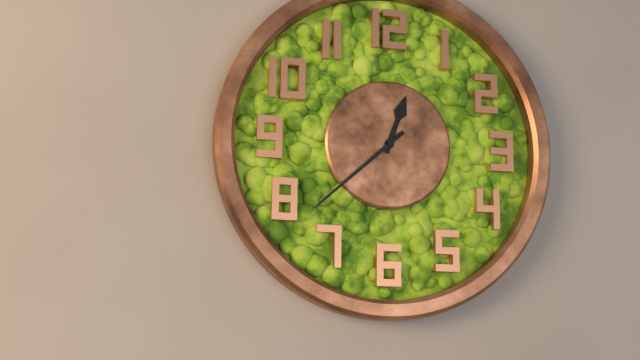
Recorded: 12:38
